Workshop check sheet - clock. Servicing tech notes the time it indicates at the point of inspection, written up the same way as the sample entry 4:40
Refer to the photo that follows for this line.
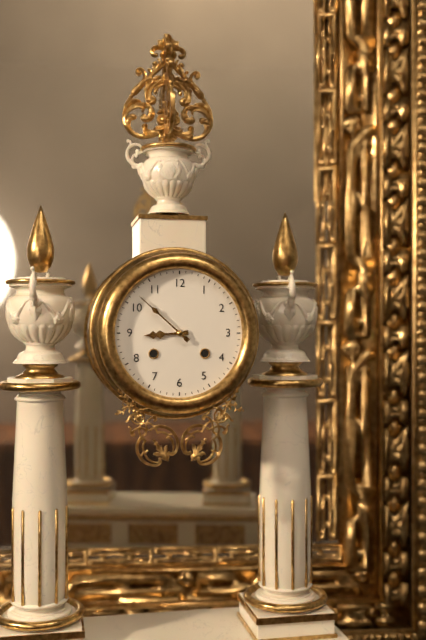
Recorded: 8:52
